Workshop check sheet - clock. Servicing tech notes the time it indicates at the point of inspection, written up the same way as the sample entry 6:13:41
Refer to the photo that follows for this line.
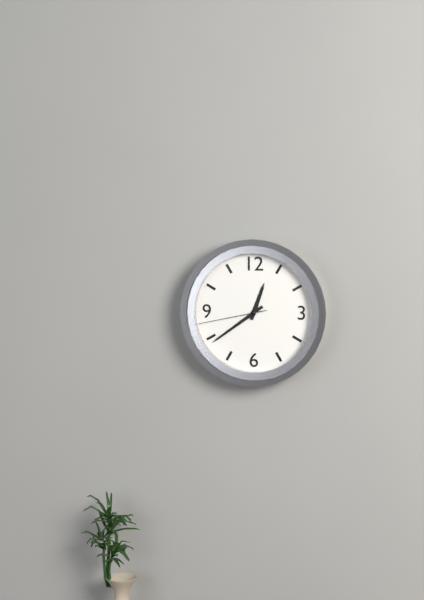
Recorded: 12:39:43
